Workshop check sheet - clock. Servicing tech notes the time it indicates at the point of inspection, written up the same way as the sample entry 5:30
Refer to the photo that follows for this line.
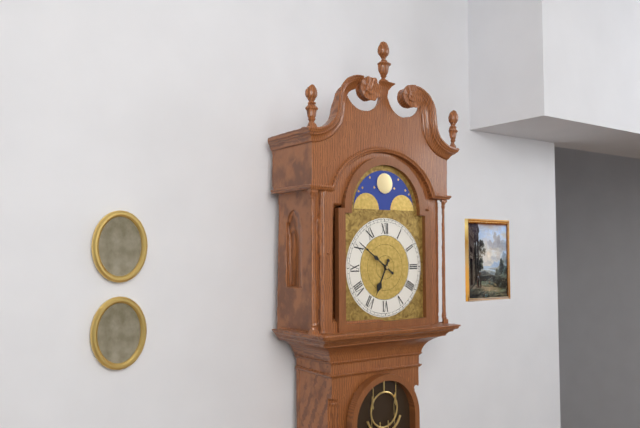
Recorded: 6:51
